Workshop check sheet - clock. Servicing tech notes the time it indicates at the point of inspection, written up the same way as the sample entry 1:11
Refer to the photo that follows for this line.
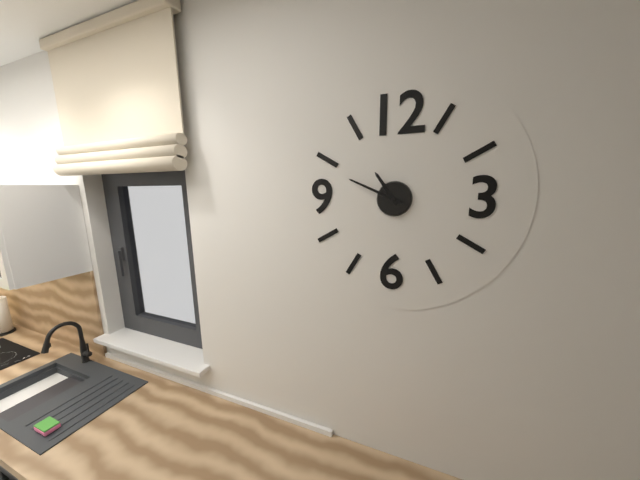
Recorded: 10:49
